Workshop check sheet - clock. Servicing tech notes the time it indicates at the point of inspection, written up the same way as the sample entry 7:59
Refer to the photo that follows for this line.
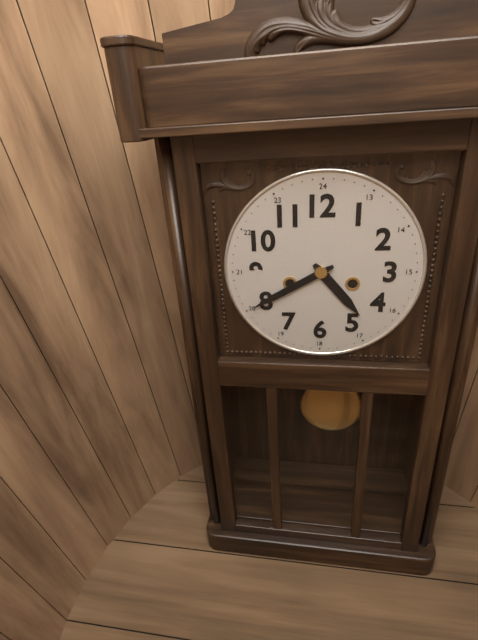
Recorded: 4:40
